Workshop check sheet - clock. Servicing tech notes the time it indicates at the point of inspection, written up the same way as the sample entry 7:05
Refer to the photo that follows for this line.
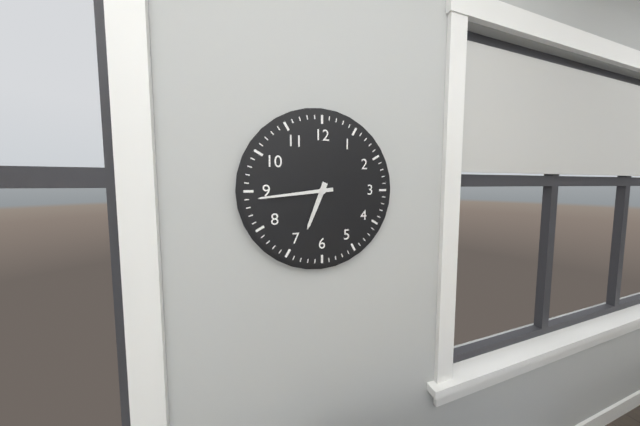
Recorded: 6:44
